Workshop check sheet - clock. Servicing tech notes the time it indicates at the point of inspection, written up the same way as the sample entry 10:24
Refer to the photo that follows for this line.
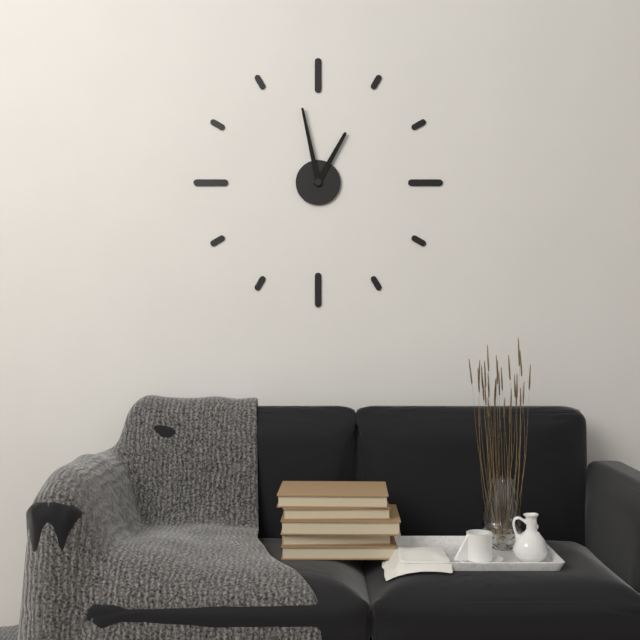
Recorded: 12:58
